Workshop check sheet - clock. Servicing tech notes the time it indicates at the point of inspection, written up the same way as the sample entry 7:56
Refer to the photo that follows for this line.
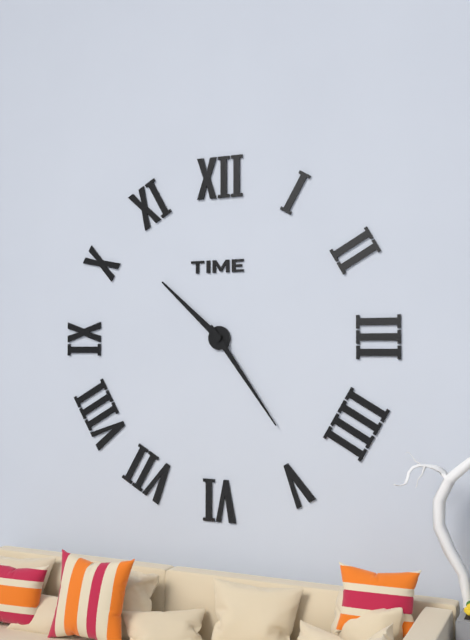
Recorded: 10:24
